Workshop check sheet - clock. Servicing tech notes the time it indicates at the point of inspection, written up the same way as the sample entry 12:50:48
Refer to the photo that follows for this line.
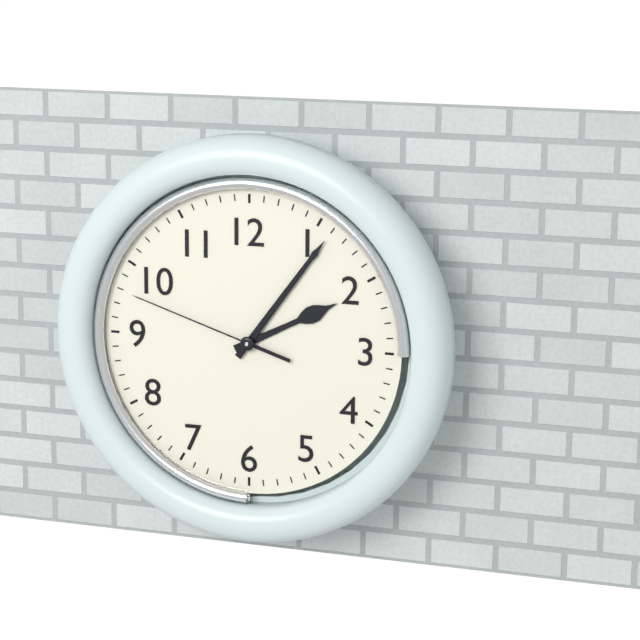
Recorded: 2:06:48
